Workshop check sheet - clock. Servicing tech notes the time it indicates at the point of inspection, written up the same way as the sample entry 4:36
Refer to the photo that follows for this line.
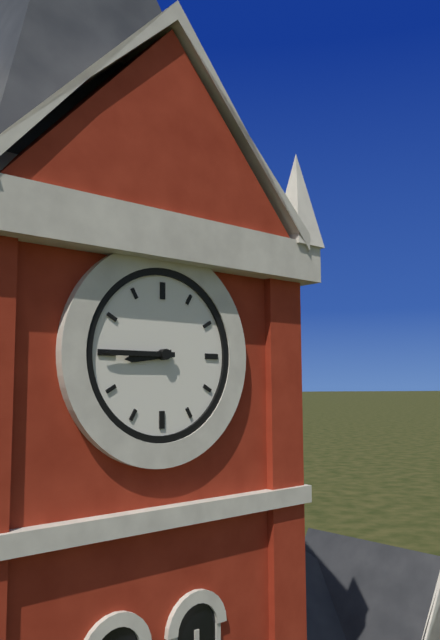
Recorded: 8:45
